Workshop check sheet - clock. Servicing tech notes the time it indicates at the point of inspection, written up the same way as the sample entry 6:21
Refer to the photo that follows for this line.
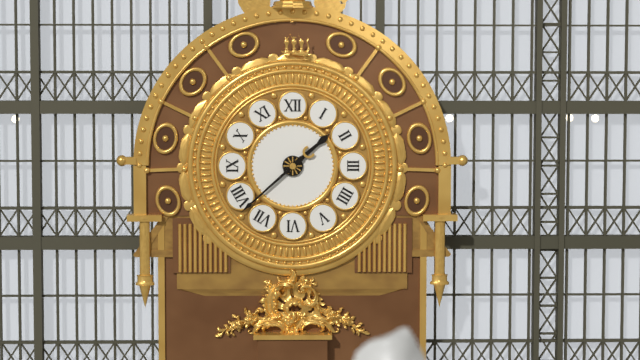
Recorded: 1:38
